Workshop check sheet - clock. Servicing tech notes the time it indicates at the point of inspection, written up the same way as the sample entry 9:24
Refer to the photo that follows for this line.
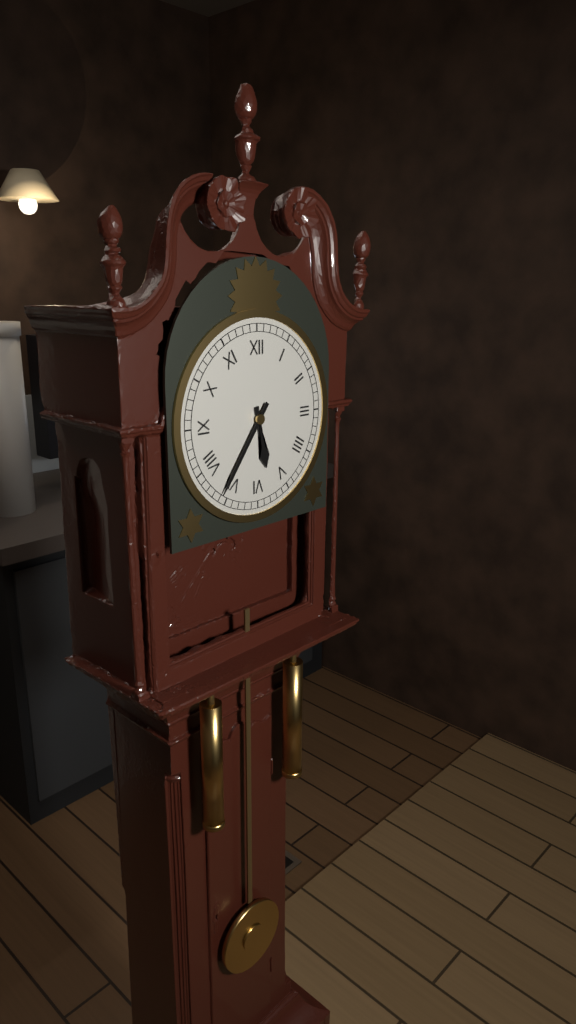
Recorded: 5:36
